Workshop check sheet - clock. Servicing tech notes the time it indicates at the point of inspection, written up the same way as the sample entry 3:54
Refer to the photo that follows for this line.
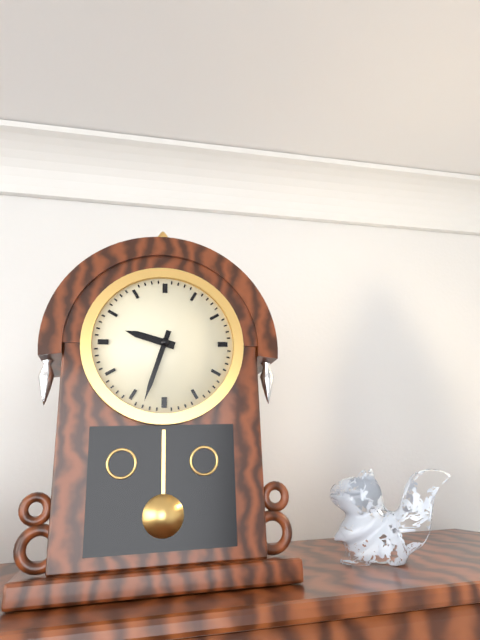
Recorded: 9:33
